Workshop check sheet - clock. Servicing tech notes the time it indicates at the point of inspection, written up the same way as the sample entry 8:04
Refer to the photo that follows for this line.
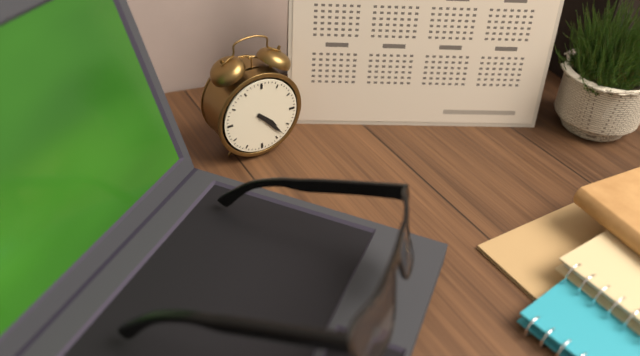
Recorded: 4:23
